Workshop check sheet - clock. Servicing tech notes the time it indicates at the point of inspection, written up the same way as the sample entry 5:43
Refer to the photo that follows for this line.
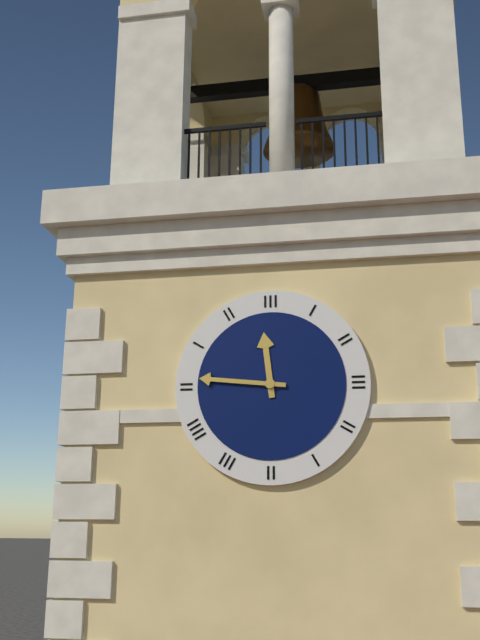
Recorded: 11:46
